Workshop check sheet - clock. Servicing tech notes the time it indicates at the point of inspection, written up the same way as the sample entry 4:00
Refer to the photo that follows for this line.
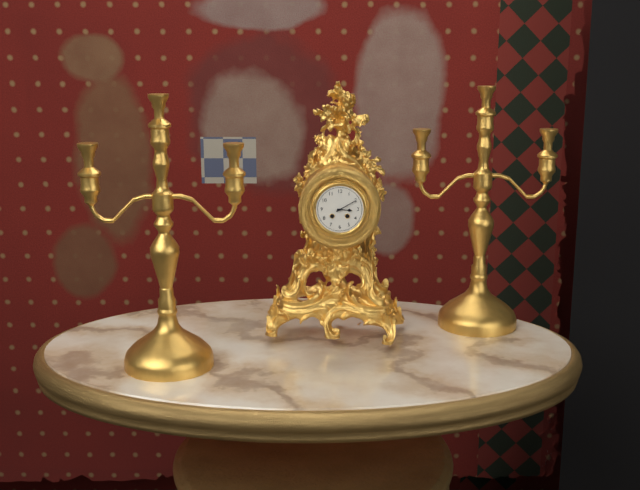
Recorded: 3:10
